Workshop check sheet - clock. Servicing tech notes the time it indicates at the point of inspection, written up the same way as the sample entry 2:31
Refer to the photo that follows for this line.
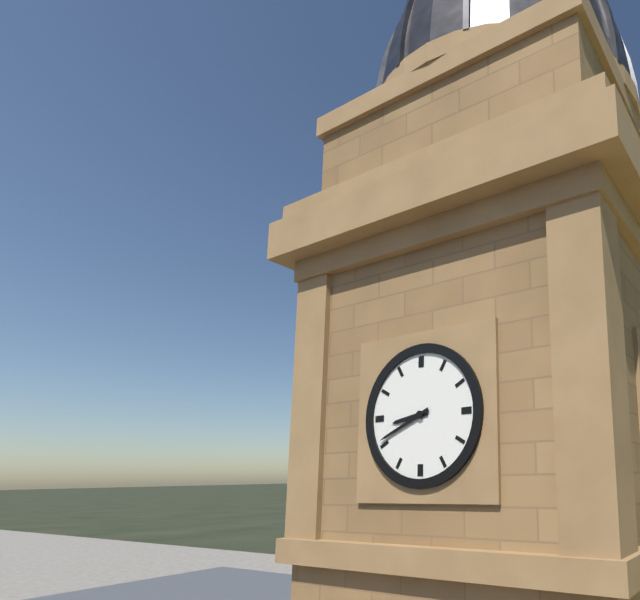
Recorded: 8:41
